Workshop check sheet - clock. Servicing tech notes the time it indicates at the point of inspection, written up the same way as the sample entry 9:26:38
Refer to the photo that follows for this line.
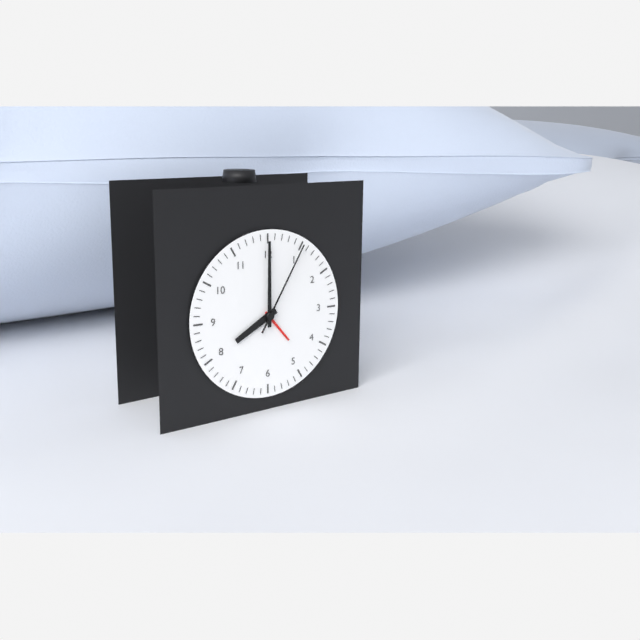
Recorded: 8:00:05
